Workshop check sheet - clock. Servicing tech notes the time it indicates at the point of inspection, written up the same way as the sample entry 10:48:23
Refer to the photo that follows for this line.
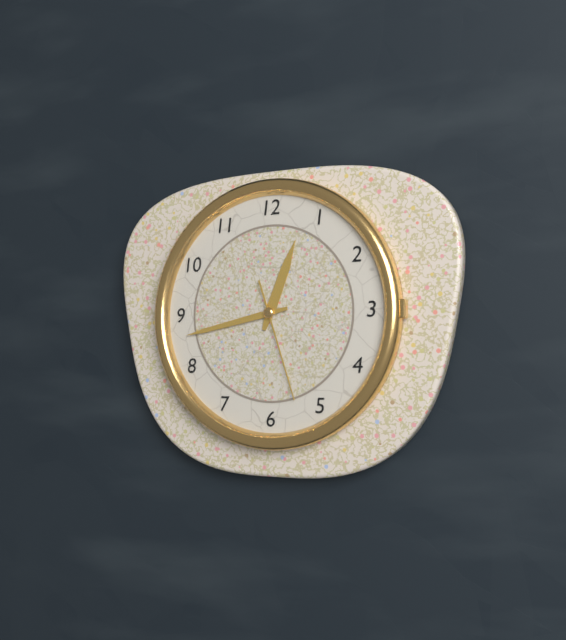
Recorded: 12:43:27
